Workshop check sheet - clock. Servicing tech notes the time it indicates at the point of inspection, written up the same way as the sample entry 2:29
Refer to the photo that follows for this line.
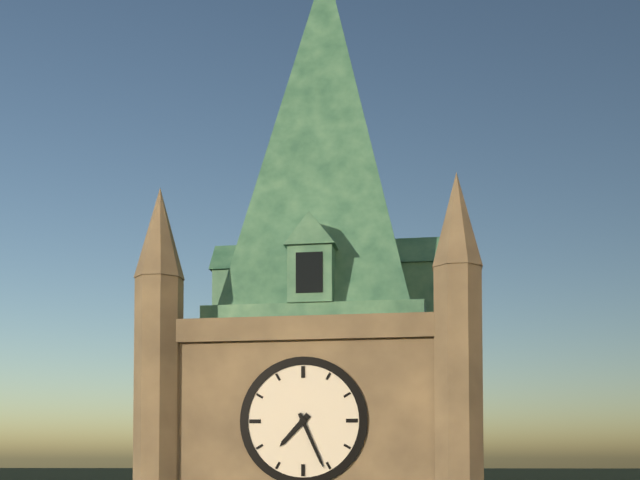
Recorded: 7:26
